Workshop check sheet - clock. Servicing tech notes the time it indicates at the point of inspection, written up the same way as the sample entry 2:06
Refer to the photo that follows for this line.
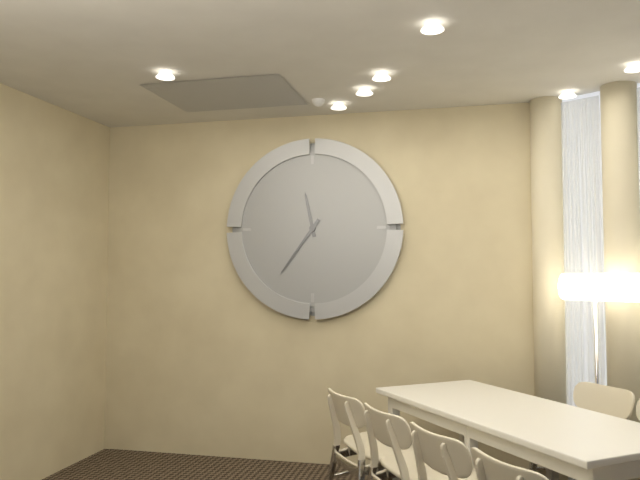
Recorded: 11:36
